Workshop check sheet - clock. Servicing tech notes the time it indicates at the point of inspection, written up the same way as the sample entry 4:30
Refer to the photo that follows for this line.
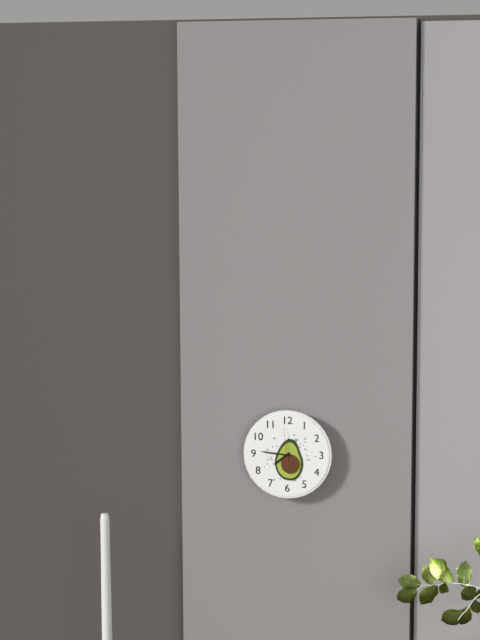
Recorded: 7:46
